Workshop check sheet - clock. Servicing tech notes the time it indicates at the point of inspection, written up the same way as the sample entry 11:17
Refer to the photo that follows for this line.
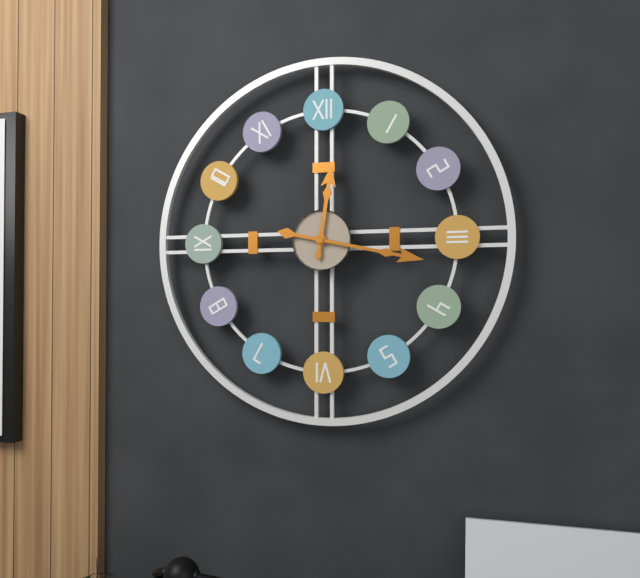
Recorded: 12:17
